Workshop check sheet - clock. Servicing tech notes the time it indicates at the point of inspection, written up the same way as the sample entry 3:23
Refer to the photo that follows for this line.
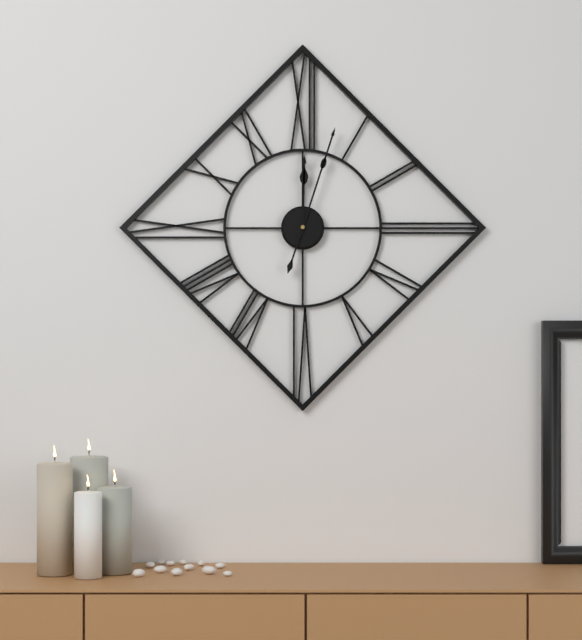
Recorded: 12:03
